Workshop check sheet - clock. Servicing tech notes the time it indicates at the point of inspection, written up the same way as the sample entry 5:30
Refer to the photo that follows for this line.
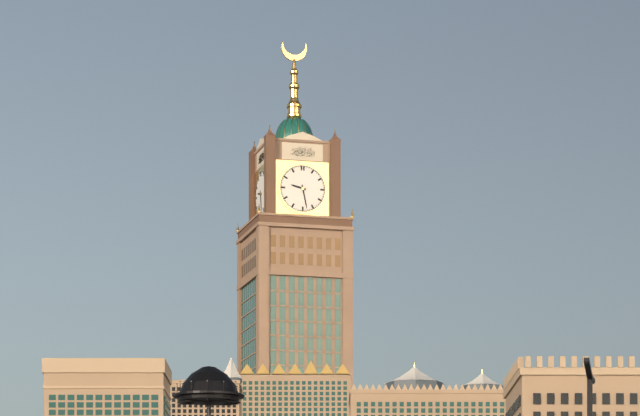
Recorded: 9:28
